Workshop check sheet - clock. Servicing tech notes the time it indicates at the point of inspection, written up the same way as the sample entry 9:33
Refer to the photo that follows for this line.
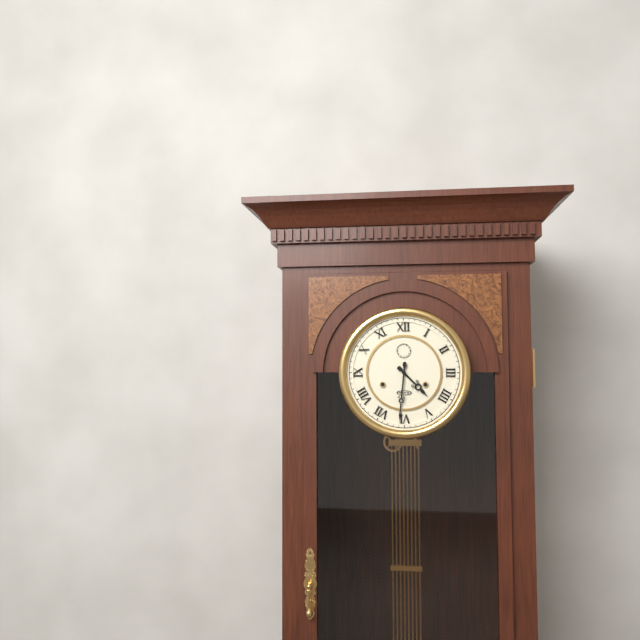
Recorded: 4:31
